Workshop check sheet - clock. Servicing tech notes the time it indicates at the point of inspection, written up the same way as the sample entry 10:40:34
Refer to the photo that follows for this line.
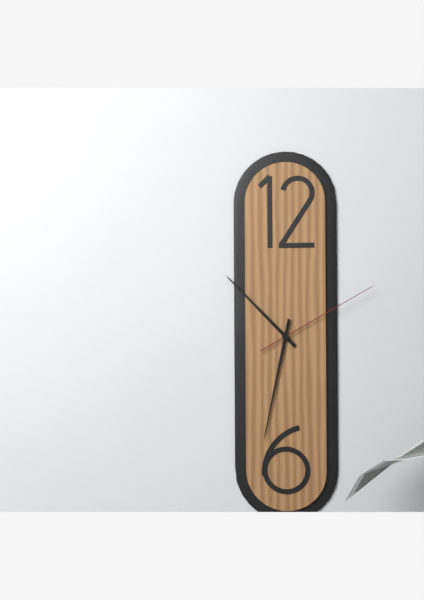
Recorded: 10:32:10
